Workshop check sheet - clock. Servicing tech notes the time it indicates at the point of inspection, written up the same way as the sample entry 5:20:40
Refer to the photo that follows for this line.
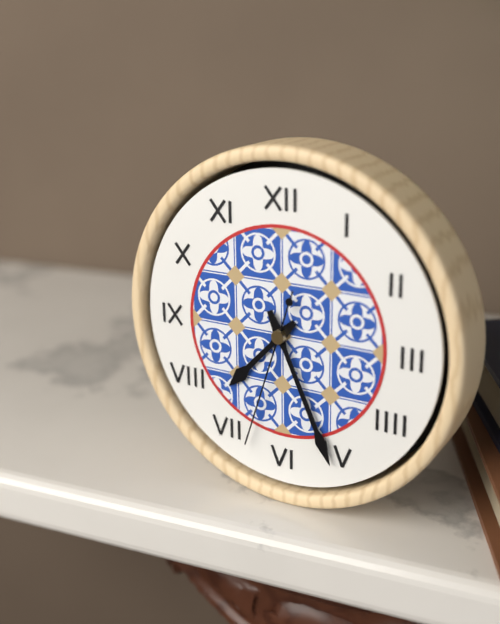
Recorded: 7:26:33
